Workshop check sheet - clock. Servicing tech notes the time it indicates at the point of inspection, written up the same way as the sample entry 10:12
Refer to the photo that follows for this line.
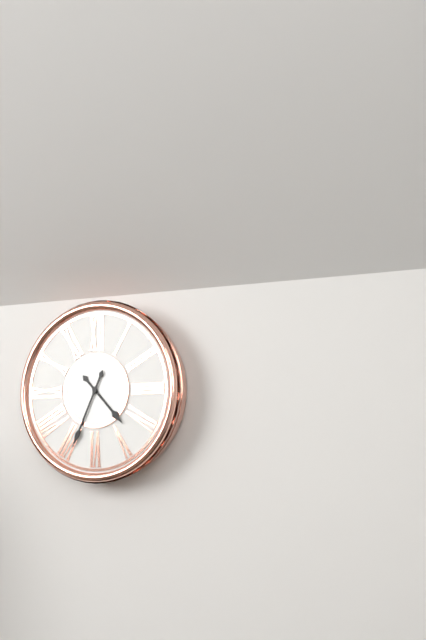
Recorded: 4:34
